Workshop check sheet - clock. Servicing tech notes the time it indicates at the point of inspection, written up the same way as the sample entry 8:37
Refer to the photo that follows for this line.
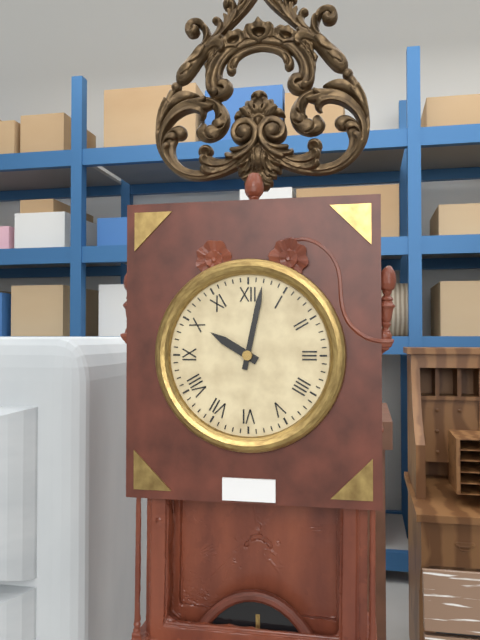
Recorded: 10:02
